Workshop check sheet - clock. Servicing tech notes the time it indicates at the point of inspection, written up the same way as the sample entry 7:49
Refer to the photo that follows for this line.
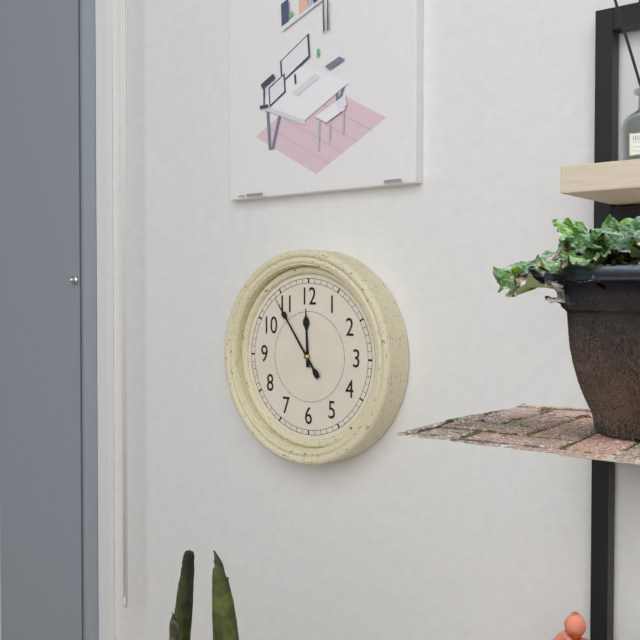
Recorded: 11:54
